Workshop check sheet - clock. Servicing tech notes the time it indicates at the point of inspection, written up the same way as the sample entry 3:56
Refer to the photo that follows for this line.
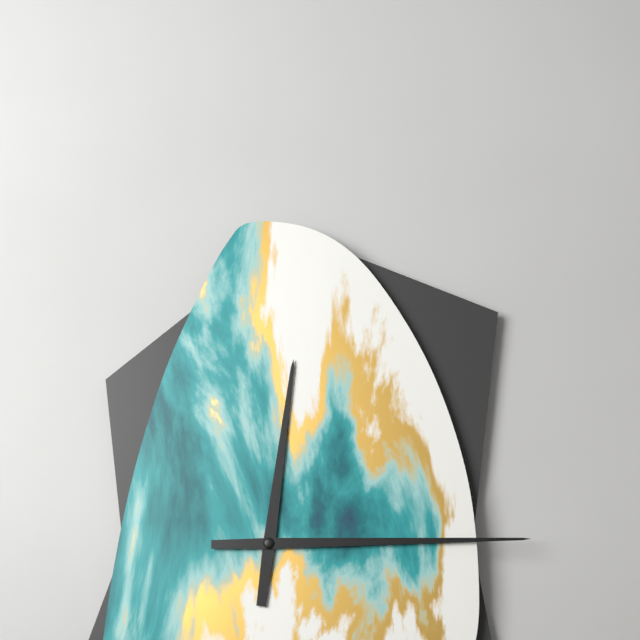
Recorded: 12:15
